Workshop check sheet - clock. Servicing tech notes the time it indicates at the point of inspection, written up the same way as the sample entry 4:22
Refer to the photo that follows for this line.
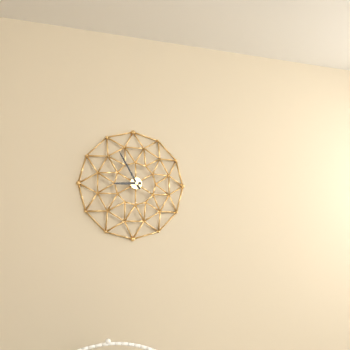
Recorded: 8:55
